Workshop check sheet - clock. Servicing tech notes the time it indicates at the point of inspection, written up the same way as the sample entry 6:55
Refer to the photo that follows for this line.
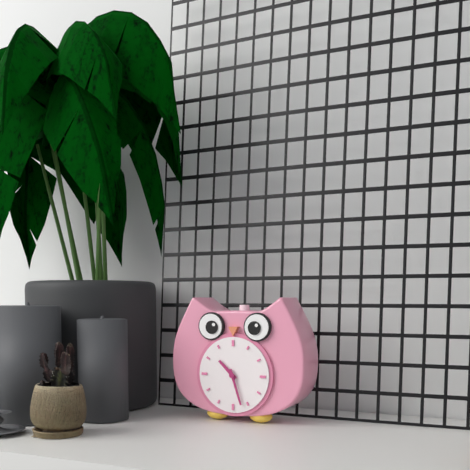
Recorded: 10:27
